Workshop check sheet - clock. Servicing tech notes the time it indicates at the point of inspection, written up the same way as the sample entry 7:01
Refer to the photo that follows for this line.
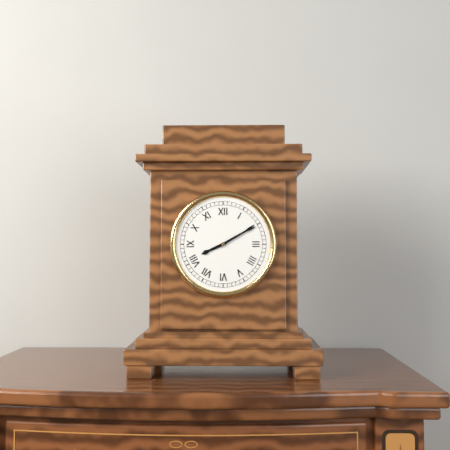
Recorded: 8:10
